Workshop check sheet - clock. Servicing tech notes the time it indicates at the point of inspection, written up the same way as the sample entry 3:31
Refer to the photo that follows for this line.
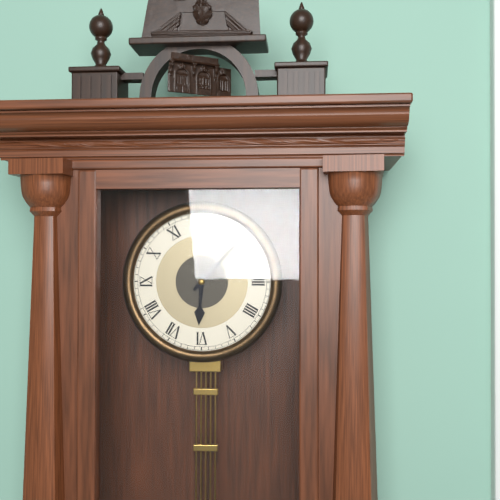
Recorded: 6:07
